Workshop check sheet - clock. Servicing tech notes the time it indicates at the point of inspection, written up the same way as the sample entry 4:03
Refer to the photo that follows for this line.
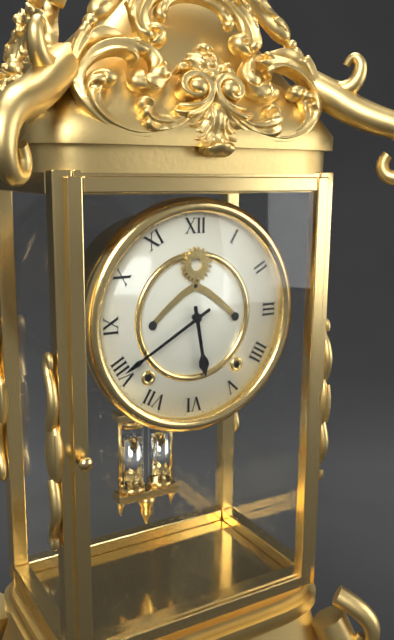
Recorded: 5:40
